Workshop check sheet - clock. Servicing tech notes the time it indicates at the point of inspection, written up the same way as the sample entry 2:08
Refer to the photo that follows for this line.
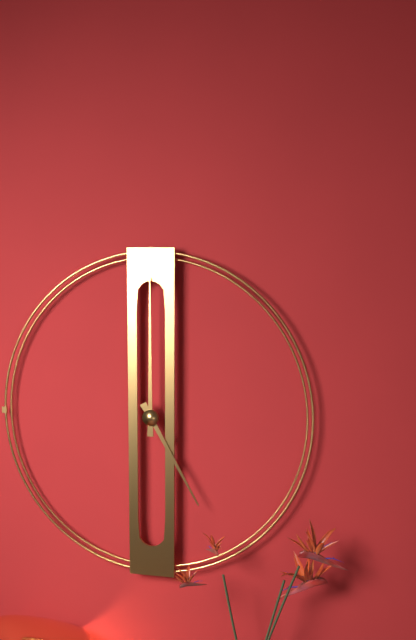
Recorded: 5:00
